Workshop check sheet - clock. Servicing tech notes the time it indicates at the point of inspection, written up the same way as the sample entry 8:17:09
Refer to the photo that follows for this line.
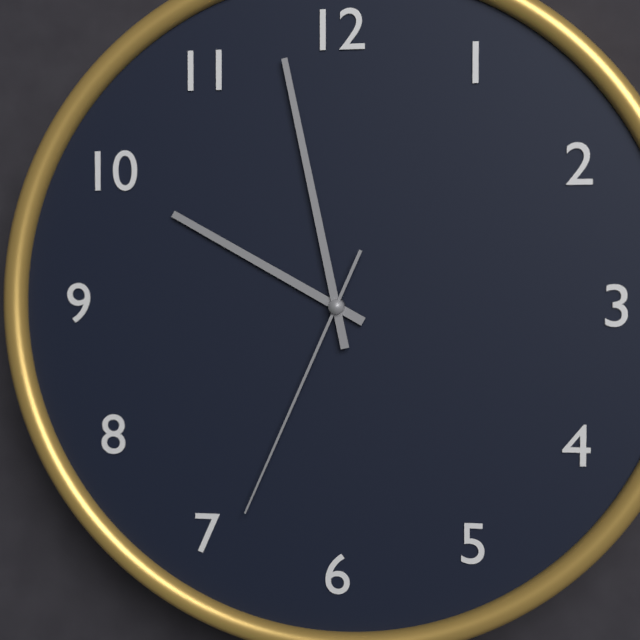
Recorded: 9:58:34
